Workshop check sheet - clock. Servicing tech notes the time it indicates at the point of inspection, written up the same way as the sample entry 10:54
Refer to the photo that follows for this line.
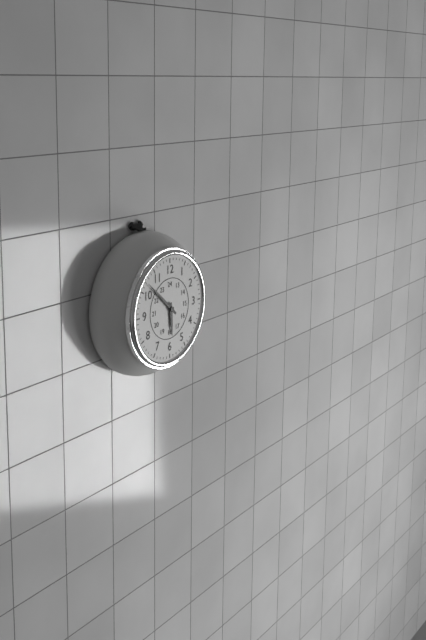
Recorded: 5:52
